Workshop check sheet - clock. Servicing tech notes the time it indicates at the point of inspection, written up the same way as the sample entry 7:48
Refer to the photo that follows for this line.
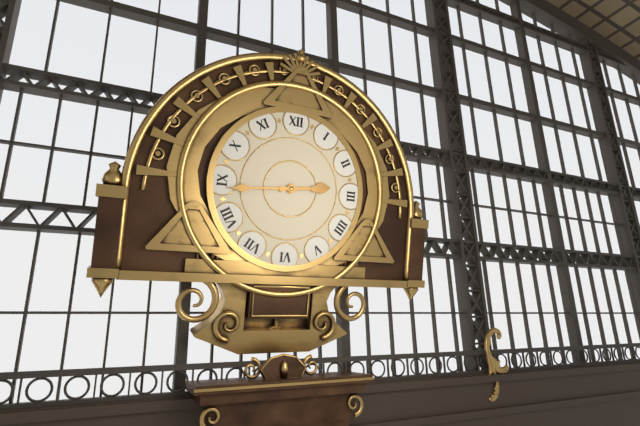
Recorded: 2:44
